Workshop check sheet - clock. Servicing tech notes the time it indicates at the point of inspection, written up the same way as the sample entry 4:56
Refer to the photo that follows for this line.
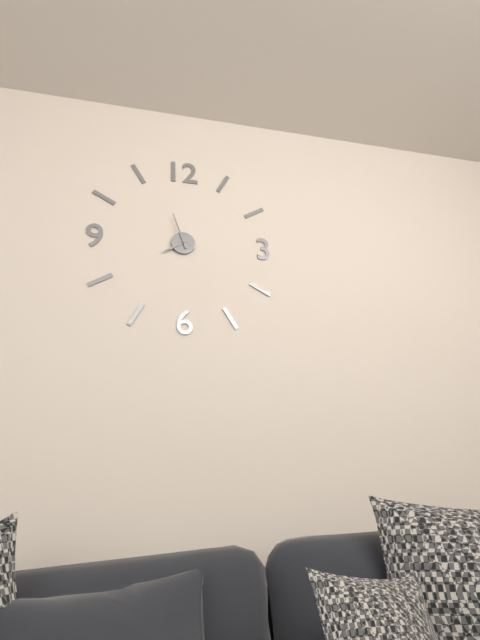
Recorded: 7:57
